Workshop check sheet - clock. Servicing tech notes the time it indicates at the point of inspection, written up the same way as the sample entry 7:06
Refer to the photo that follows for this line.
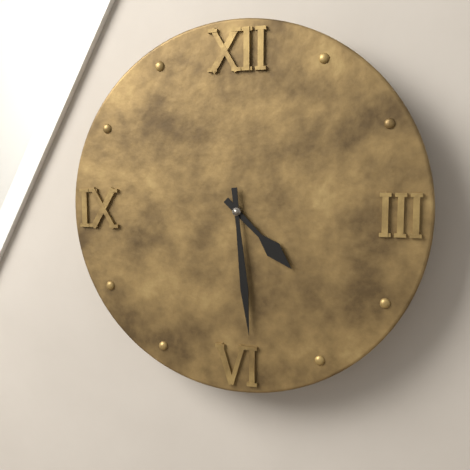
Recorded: 4:29
